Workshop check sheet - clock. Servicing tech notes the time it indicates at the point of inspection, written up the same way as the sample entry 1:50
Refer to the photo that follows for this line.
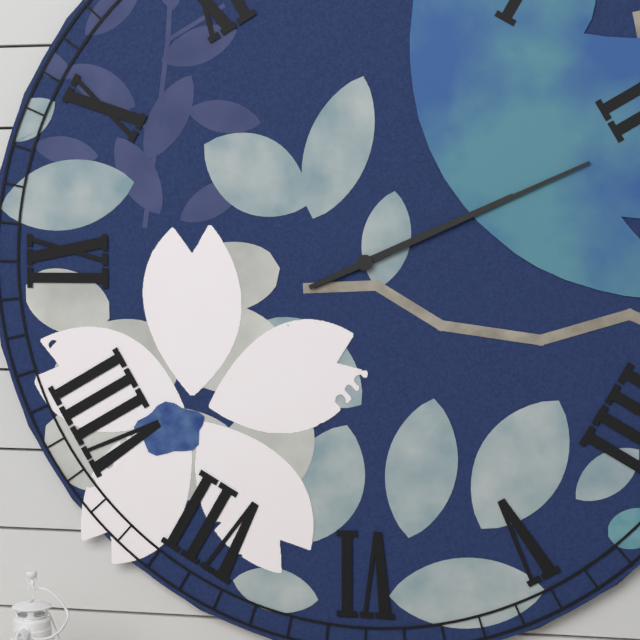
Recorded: 2:11
